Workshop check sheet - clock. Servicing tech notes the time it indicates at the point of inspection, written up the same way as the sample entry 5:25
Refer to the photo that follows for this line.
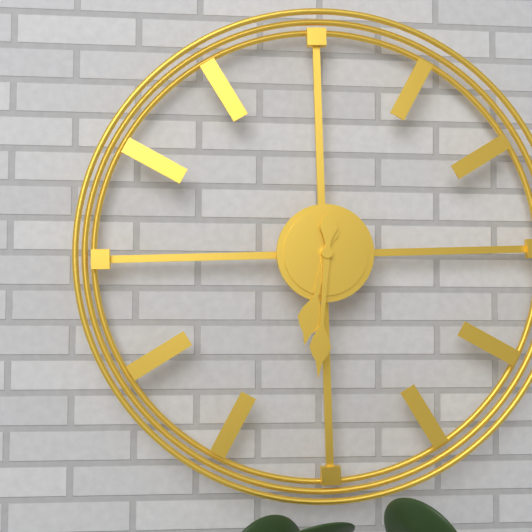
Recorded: 6:31
